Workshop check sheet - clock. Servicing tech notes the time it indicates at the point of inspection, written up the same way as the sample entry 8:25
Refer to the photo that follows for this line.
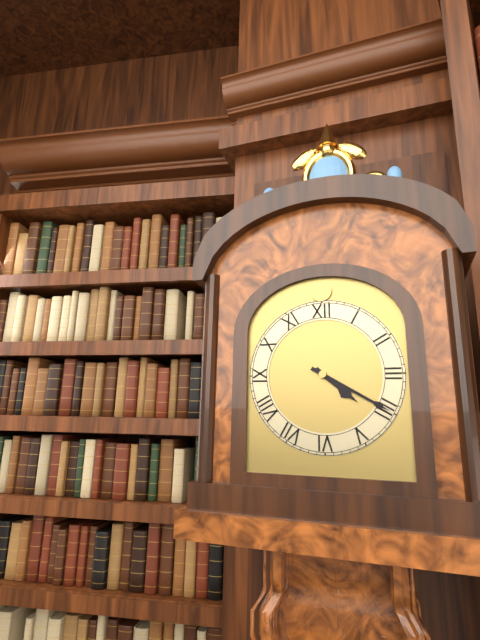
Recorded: 4:20
